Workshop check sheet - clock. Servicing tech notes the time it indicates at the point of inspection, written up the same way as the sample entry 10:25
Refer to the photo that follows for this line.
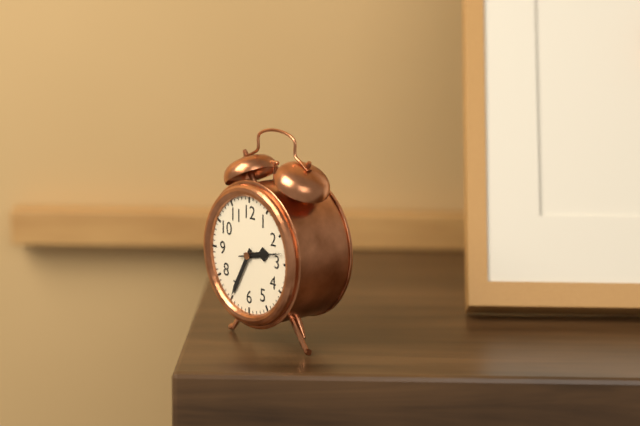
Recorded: 2:35
